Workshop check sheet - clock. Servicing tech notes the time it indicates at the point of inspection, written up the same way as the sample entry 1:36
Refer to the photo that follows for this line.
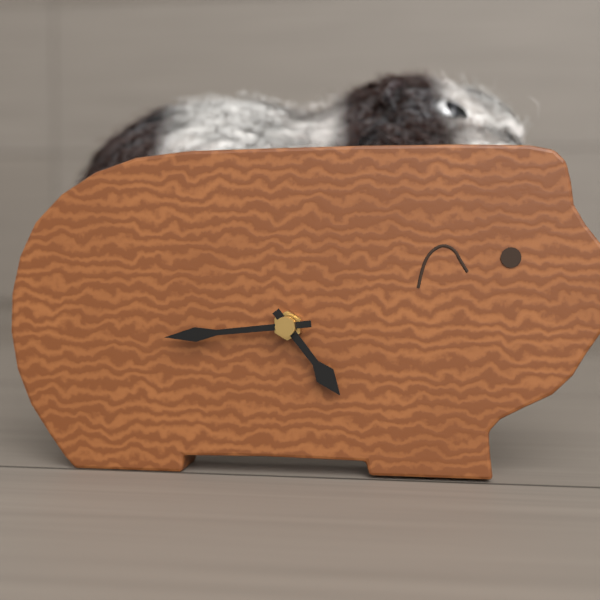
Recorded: 4:44
